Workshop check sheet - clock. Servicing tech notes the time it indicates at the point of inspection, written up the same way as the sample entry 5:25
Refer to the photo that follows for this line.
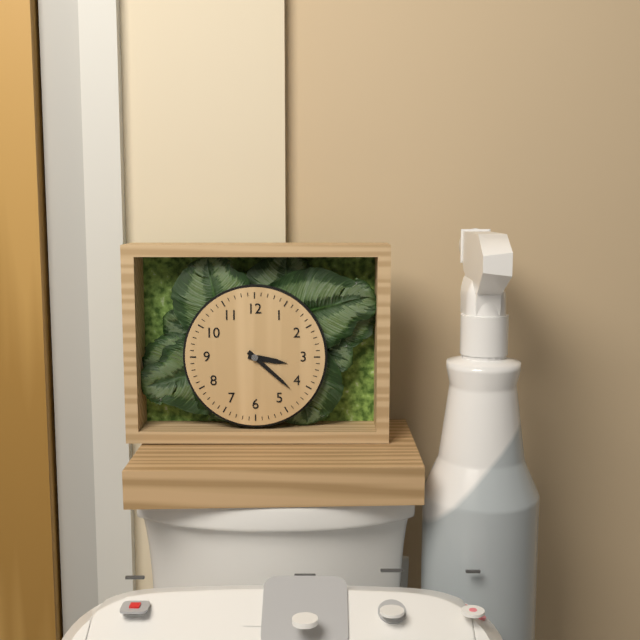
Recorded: 3:22
